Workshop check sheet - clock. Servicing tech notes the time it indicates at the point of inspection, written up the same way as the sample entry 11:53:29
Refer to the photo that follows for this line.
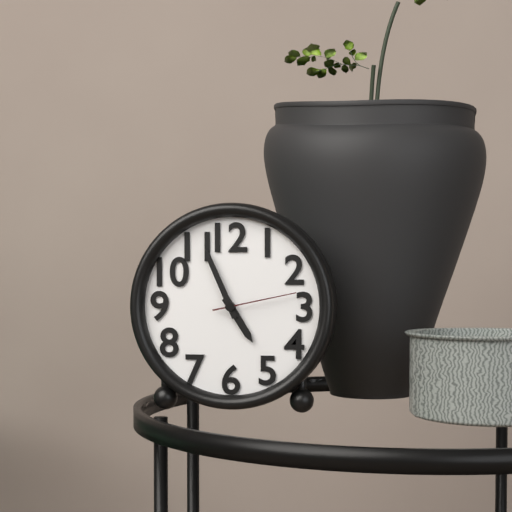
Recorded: 4:56:13
